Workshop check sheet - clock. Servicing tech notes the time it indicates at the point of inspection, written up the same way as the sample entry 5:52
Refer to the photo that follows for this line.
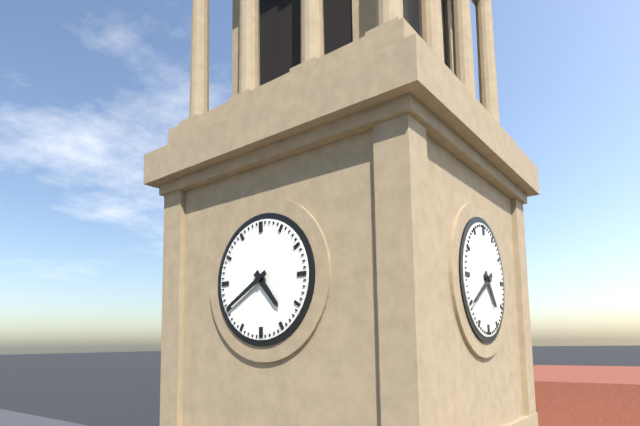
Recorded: 4:40
